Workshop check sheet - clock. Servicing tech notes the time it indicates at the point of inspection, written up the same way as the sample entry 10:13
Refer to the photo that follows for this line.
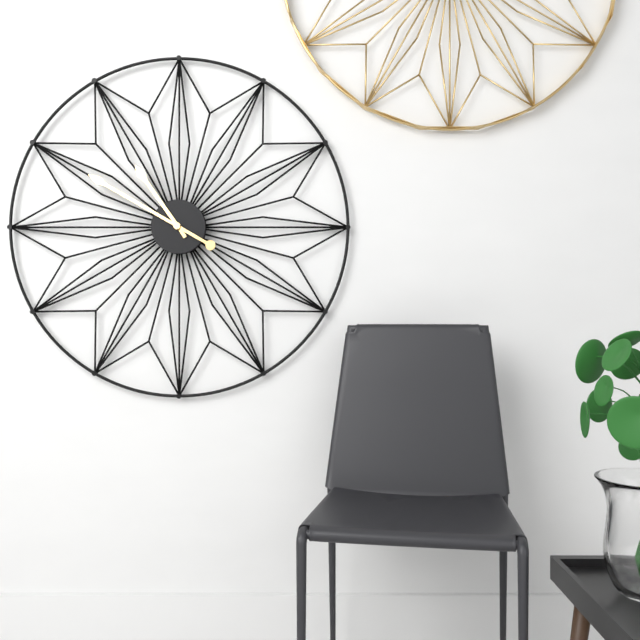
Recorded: 10:50
